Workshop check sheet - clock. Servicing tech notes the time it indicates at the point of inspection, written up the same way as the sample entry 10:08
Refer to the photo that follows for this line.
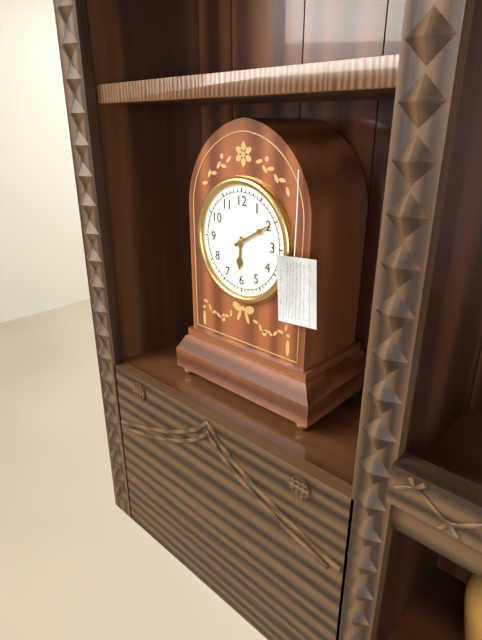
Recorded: 6:10
